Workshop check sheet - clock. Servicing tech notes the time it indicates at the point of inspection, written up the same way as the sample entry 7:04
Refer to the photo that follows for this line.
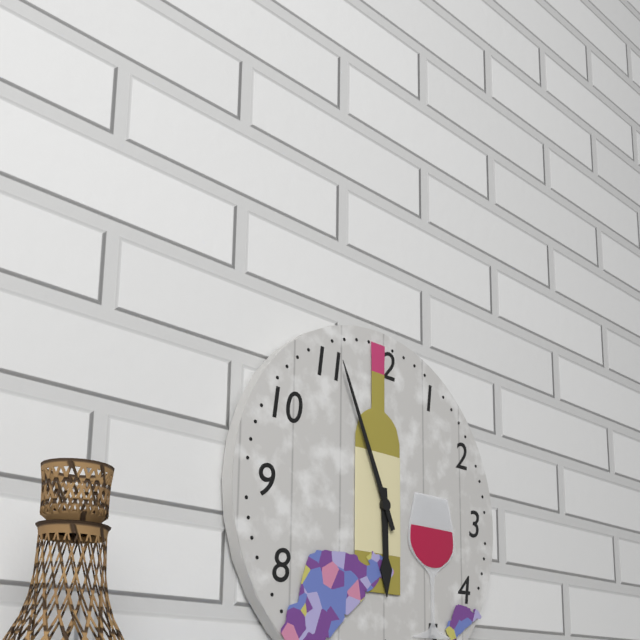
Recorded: 5:56
